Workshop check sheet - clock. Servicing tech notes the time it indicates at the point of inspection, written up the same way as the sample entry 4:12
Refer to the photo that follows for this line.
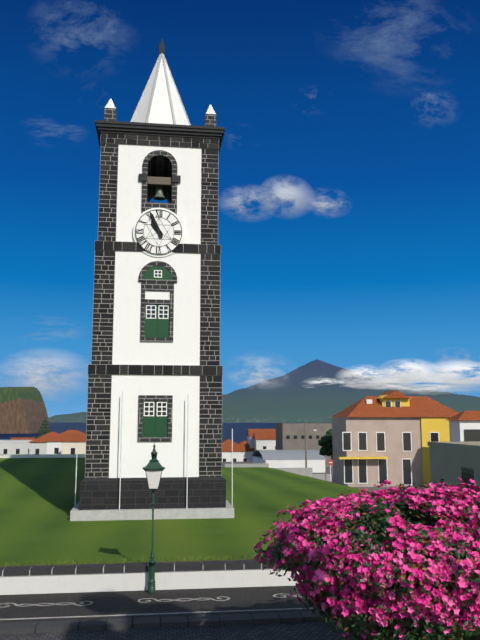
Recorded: 10:56
